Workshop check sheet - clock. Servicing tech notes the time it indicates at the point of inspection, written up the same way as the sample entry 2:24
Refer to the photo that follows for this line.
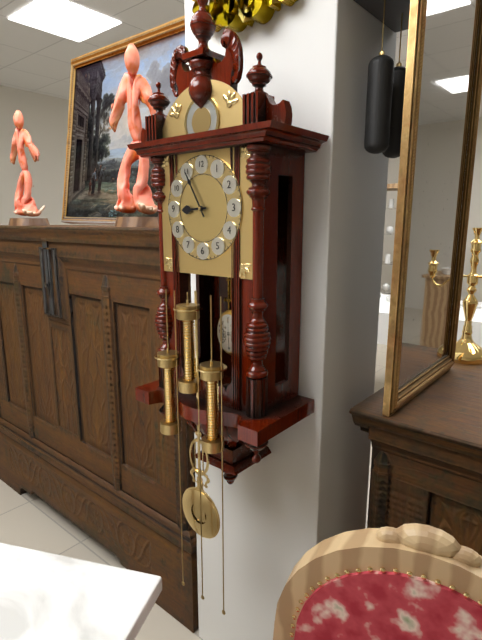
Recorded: 8:55
